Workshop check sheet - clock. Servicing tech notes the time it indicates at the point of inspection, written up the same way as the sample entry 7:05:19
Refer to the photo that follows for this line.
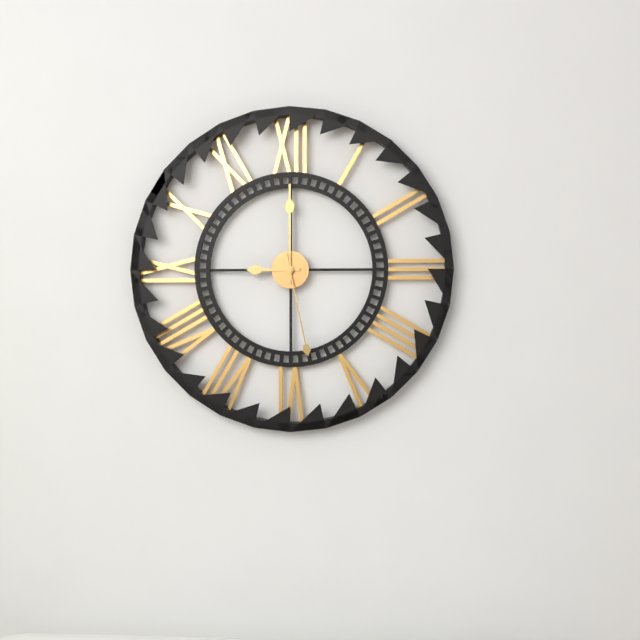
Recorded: 9:00:28
